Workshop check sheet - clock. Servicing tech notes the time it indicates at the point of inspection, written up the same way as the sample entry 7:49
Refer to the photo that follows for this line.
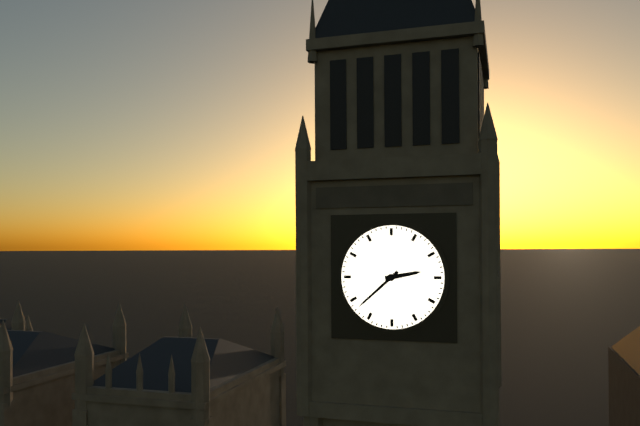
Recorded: 2:38
